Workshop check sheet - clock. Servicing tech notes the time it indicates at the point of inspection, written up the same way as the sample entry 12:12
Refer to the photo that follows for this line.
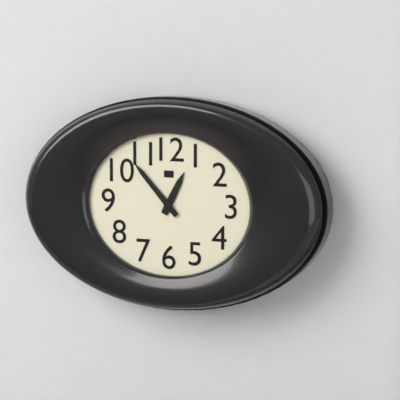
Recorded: 12:53
